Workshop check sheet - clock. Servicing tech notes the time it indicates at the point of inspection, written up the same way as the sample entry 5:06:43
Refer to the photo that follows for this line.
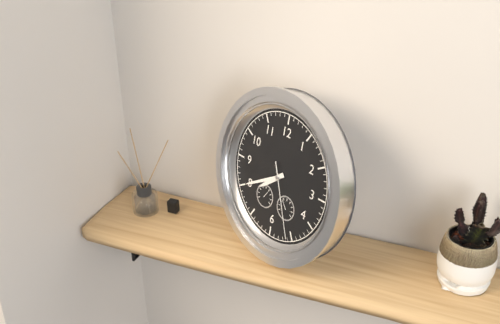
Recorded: 7:40:26
